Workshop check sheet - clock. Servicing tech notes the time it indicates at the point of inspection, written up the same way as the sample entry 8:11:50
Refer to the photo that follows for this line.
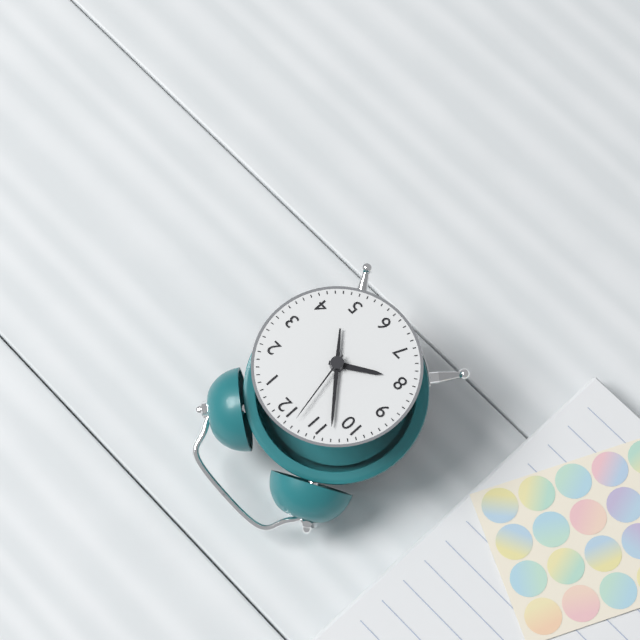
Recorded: 7:53:58
